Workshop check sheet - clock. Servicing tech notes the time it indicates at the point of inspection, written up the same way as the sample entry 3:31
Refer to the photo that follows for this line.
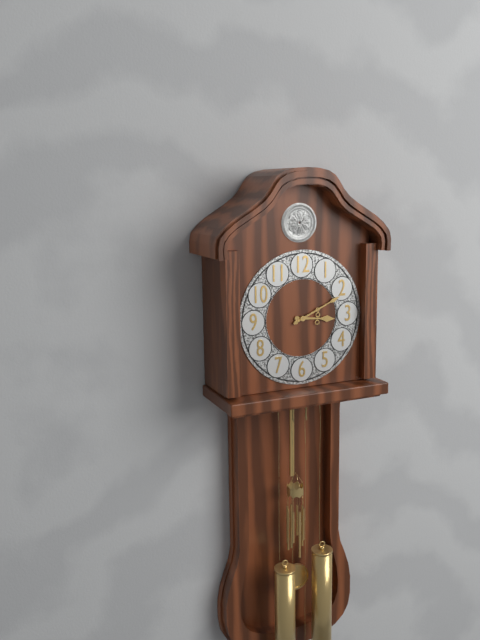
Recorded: 3:11
